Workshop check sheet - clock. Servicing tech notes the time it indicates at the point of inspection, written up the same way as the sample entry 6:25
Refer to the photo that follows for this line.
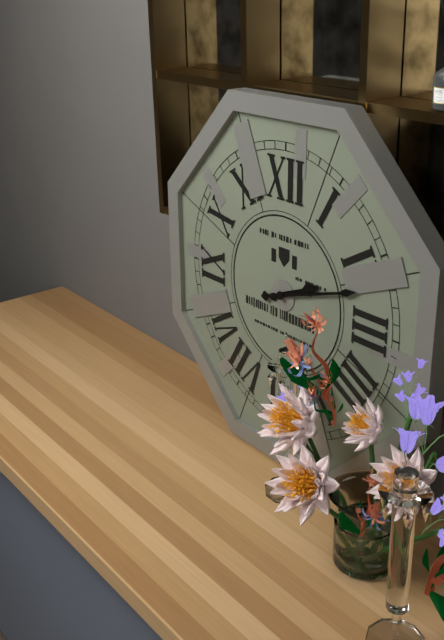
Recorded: 2:12
